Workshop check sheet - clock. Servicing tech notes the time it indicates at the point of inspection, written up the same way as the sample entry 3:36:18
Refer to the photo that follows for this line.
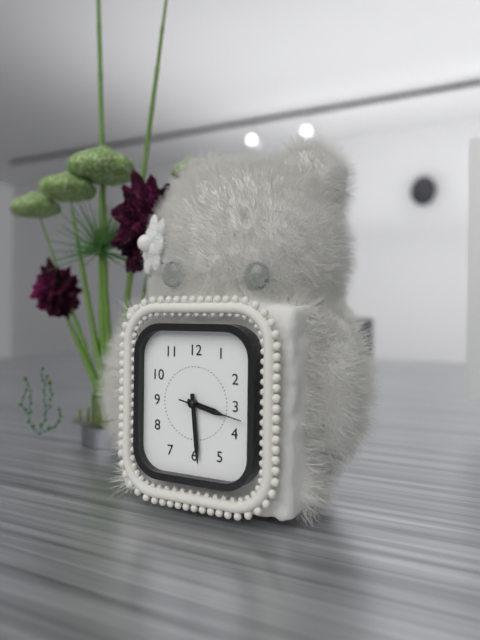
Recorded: 3:29:17
